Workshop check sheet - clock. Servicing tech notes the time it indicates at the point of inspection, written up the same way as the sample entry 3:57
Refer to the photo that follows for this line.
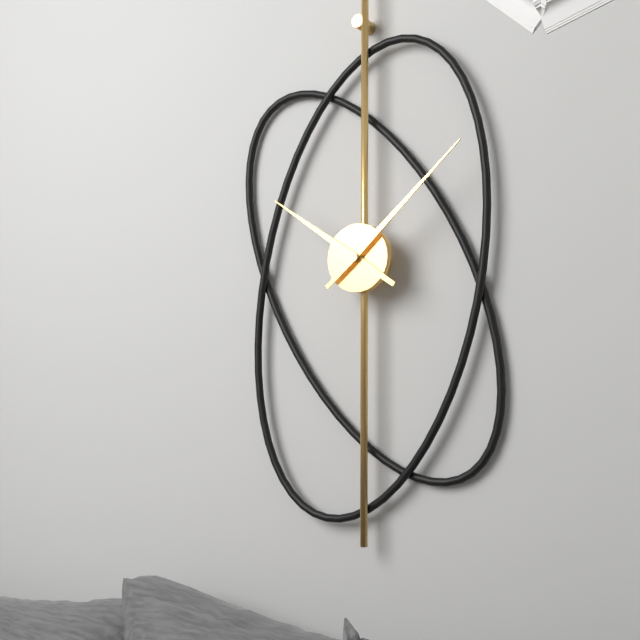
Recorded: 10:08
